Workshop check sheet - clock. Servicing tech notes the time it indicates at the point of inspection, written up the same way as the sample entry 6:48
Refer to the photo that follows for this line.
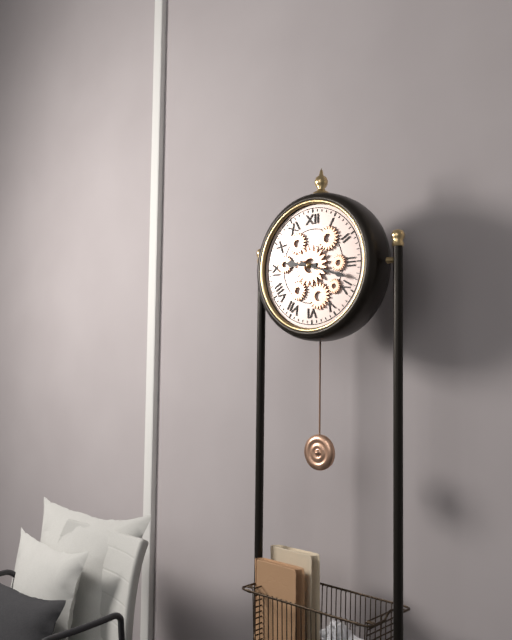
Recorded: 9:18
